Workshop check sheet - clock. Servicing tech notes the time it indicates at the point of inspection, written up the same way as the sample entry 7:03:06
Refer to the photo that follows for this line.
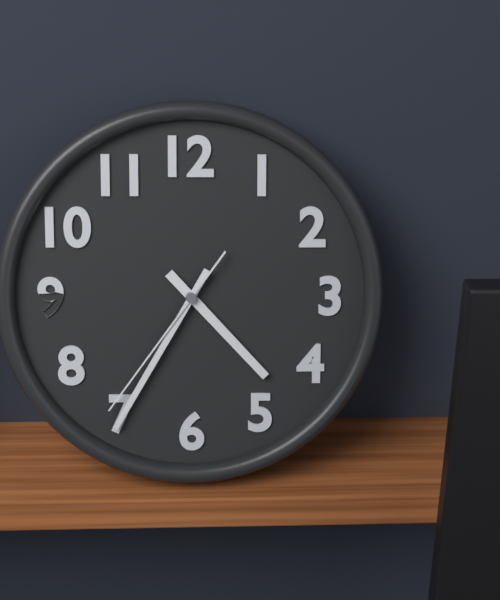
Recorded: 4:35:36
